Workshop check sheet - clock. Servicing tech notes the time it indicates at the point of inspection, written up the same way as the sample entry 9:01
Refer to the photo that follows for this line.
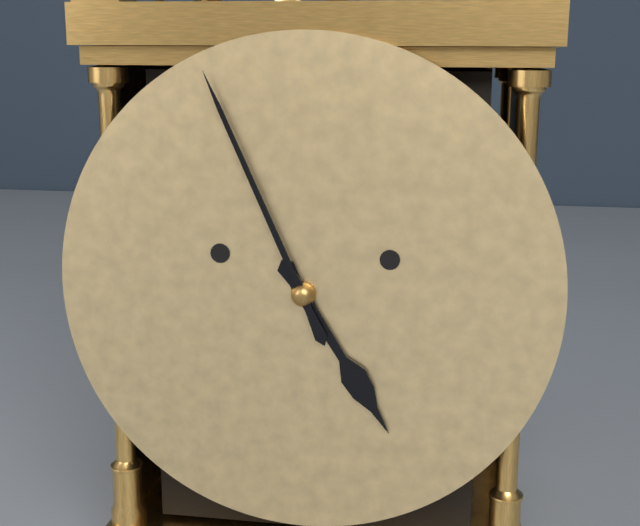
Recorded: 4:56
